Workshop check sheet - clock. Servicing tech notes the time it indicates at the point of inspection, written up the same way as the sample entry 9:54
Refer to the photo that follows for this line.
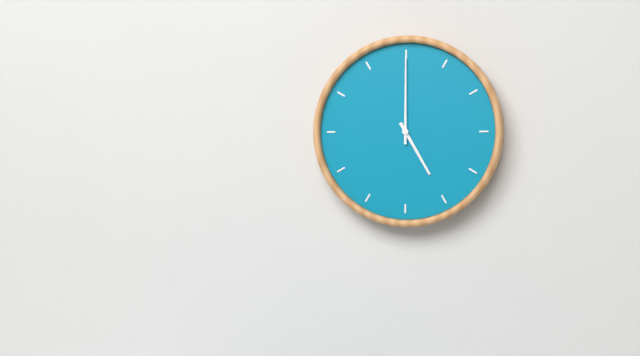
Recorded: 5:00
